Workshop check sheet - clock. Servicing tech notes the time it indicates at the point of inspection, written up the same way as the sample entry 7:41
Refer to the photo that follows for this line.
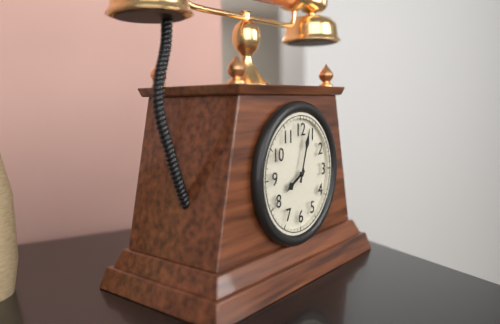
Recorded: 8:03
